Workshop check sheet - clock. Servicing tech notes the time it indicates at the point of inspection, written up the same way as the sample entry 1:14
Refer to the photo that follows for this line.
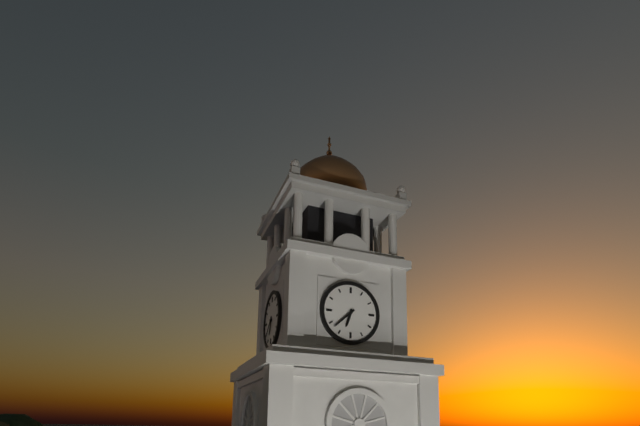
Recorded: 6:38
